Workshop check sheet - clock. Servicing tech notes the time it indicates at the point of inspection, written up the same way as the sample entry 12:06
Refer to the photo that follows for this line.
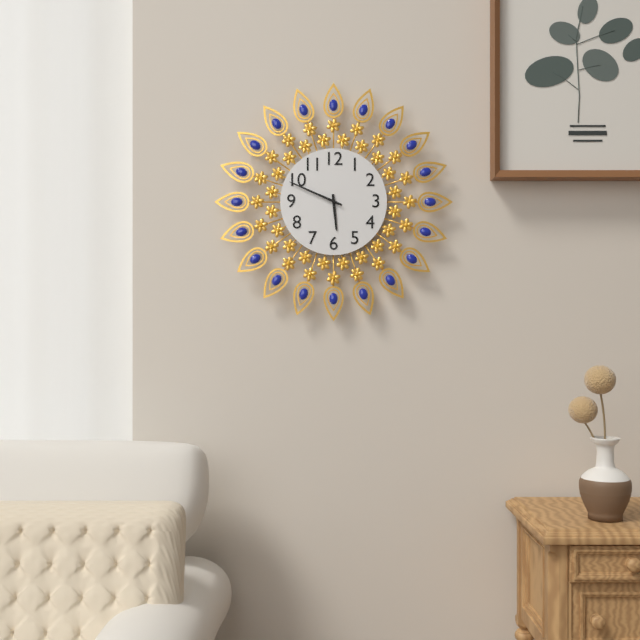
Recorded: 5:49
